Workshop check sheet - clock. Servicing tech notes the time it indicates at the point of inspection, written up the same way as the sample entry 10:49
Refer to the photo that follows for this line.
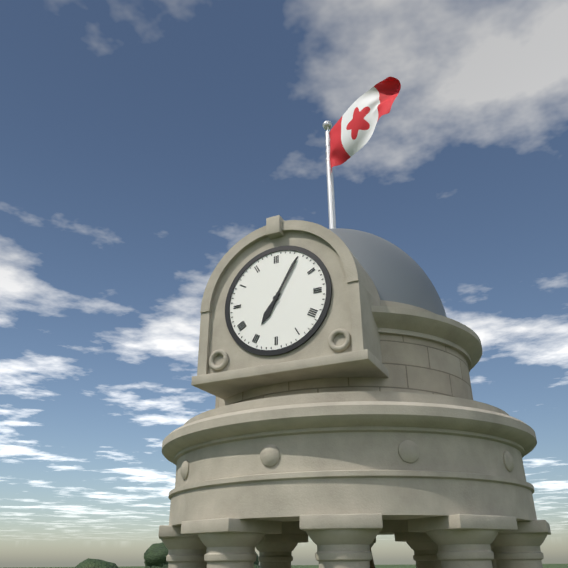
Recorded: 7:05
